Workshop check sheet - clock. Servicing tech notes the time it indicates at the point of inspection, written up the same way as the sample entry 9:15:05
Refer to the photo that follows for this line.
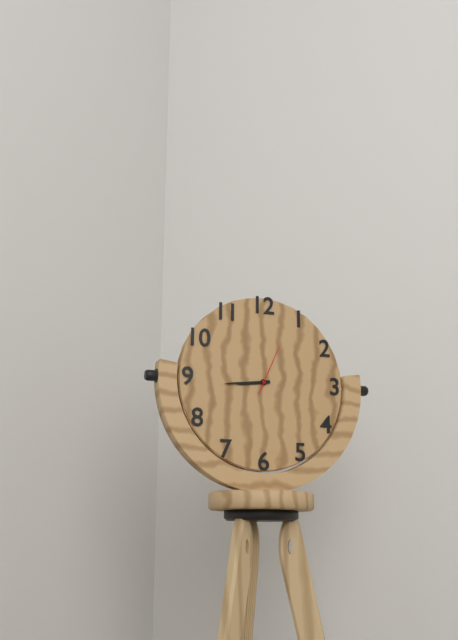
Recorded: 8:44:04
